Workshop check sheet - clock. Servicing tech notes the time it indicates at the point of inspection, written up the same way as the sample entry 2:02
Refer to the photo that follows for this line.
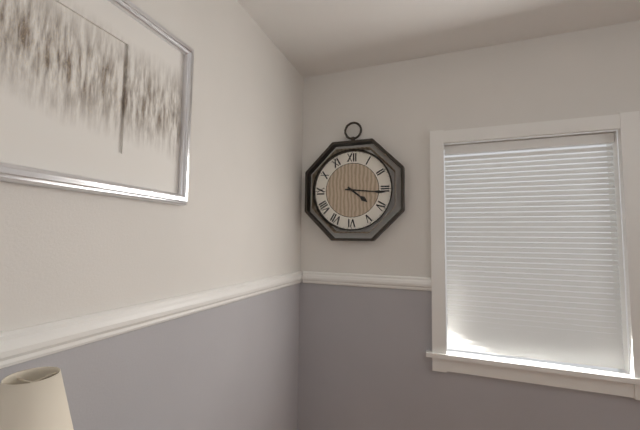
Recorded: 4:16
